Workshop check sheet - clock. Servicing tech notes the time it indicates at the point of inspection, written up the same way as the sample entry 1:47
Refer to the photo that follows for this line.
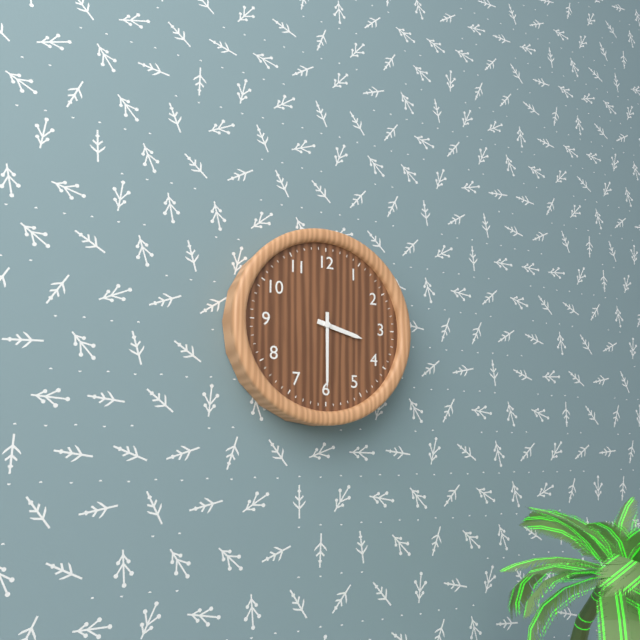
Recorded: 3:30
